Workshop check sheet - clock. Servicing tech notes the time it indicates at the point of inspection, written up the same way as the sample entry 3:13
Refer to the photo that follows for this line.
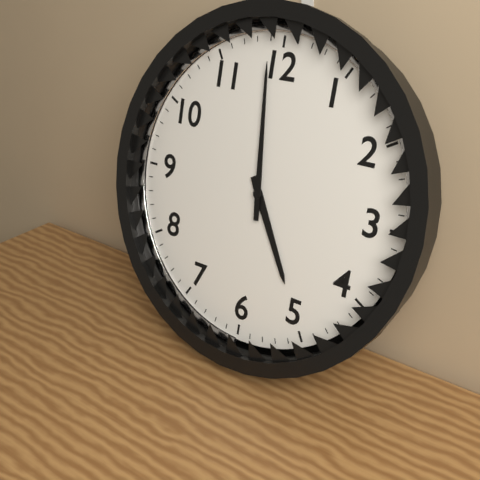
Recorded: 4:59
